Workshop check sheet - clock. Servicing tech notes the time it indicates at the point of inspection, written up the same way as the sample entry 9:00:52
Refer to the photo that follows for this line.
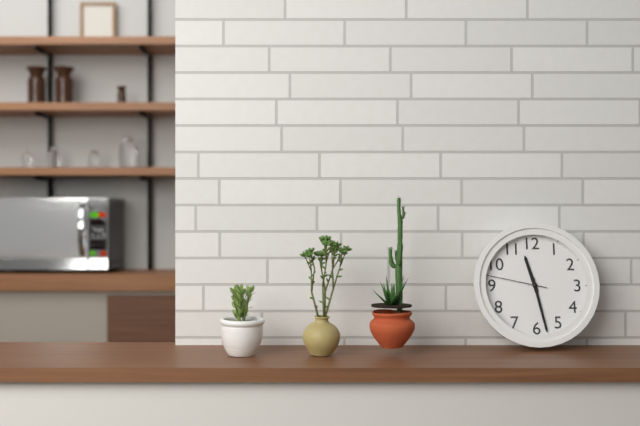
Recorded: 11:28:47
